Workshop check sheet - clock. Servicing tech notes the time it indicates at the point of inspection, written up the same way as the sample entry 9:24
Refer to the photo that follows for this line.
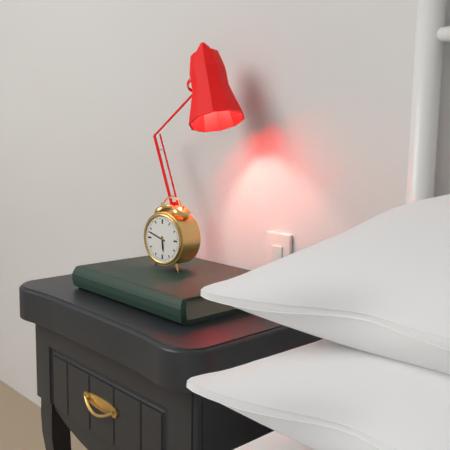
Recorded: 5:48
